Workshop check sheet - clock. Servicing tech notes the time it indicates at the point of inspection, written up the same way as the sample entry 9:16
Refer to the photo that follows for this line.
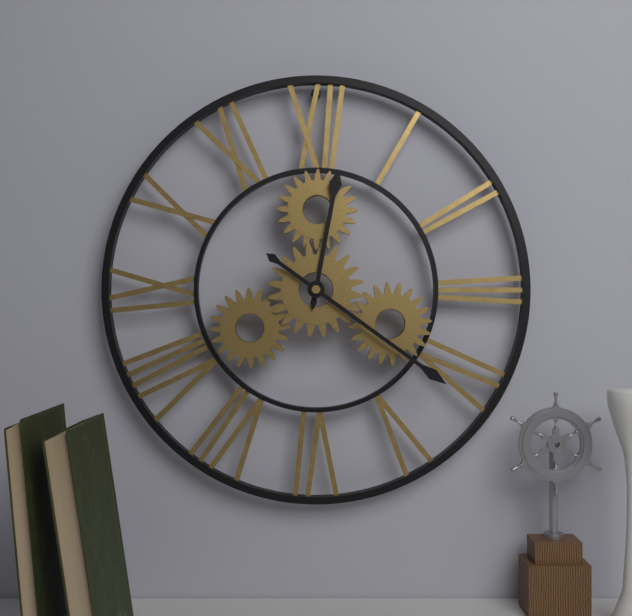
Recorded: 12:21
